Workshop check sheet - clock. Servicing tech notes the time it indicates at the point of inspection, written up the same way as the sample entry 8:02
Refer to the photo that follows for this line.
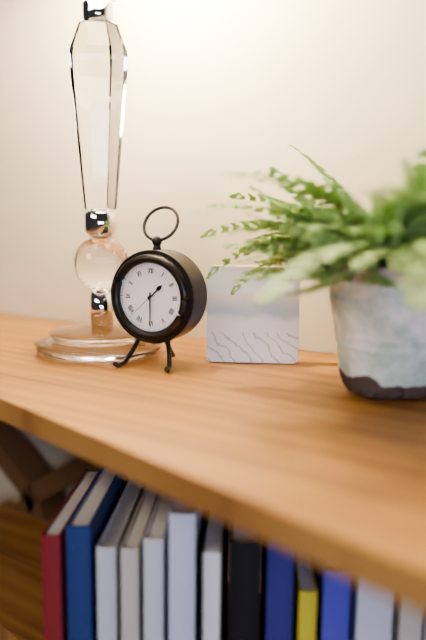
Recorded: 1:30
